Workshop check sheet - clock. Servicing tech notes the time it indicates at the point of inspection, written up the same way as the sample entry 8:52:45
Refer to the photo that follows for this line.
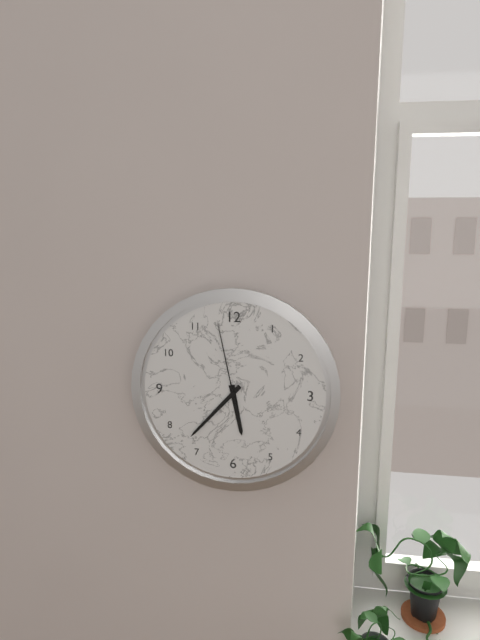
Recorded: 5:37:58
